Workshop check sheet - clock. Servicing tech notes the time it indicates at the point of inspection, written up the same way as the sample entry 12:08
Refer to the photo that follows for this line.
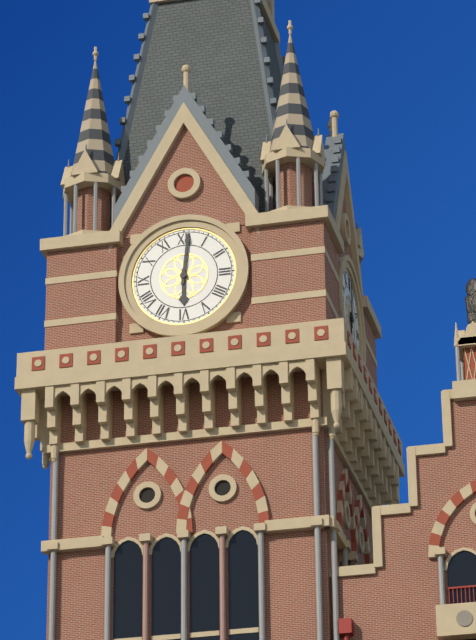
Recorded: 6:01
